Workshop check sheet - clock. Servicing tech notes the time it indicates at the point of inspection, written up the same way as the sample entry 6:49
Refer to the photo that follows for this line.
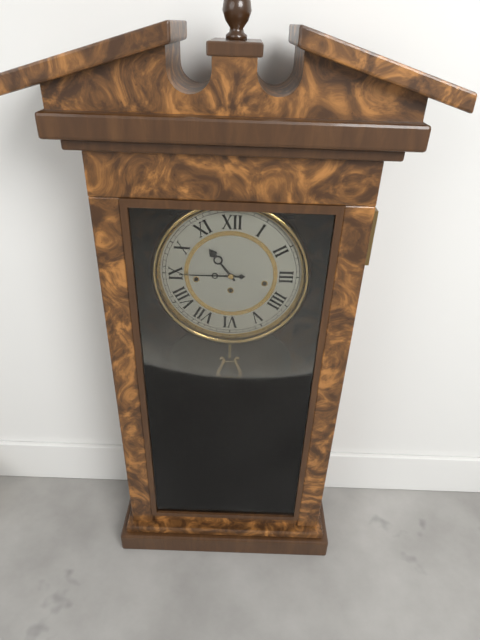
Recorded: 10:45
